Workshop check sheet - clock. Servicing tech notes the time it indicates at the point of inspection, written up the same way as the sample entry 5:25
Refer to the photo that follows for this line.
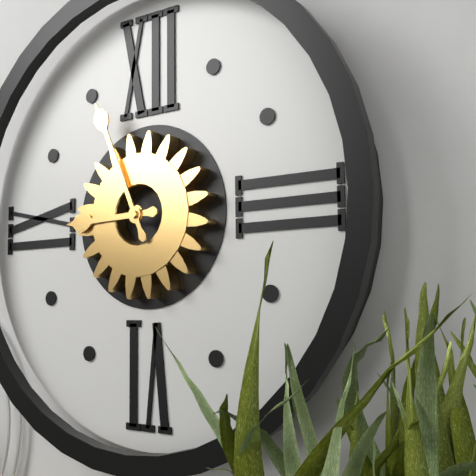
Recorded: 8:56
